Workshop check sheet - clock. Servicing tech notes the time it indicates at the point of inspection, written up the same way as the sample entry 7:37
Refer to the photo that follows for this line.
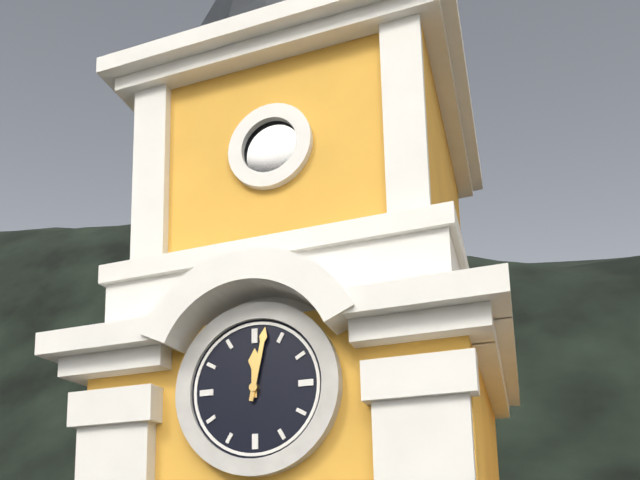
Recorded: 12:02
